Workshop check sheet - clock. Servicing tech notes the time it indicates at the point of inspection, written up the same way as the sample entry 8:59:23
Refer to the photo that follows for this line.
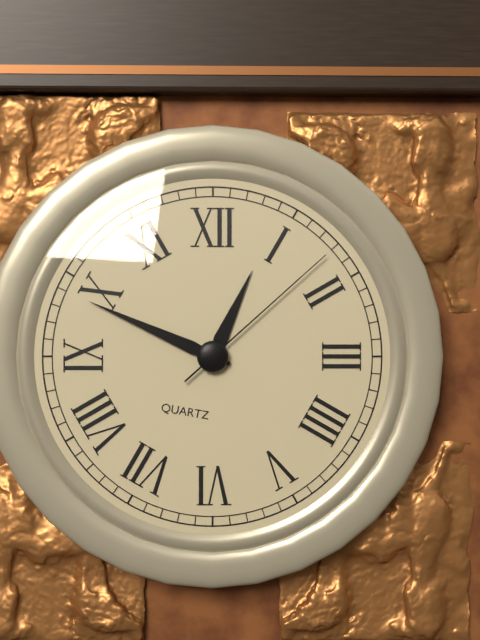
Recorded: 12:49:08
